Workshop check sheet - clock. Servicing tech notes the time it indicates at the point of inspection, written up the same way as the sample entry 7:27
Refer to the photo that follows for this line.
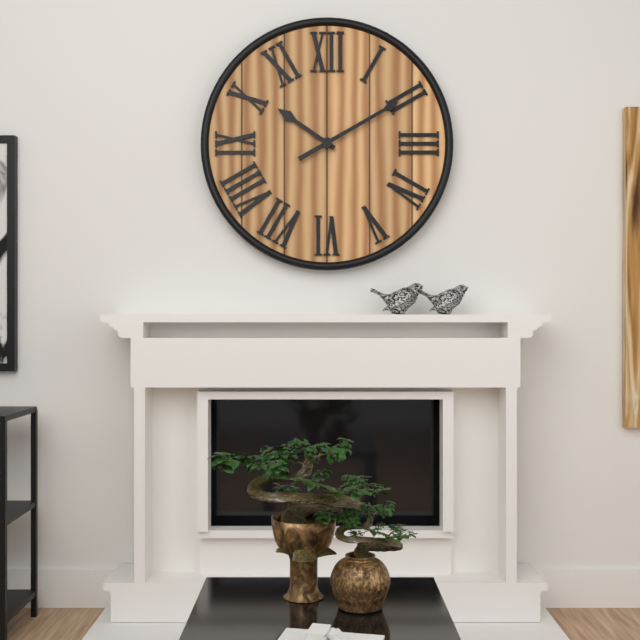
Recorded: 10:10
